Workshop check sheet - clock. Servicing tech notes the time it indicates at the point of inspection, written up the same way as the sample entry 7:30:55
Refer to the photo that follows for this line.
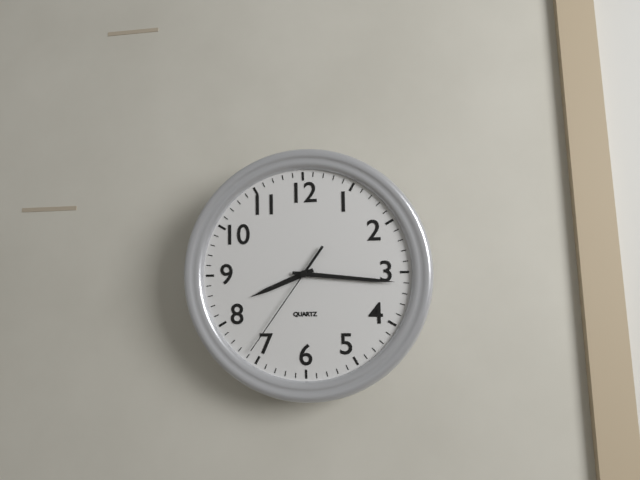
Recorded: 8:16:36
